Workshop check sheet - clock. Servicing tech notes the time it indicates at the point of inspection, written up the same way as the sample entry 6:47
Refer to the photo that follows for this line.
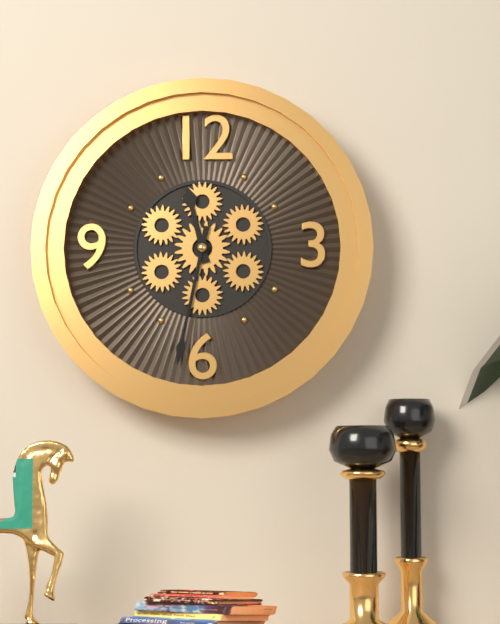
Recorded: 11:32
